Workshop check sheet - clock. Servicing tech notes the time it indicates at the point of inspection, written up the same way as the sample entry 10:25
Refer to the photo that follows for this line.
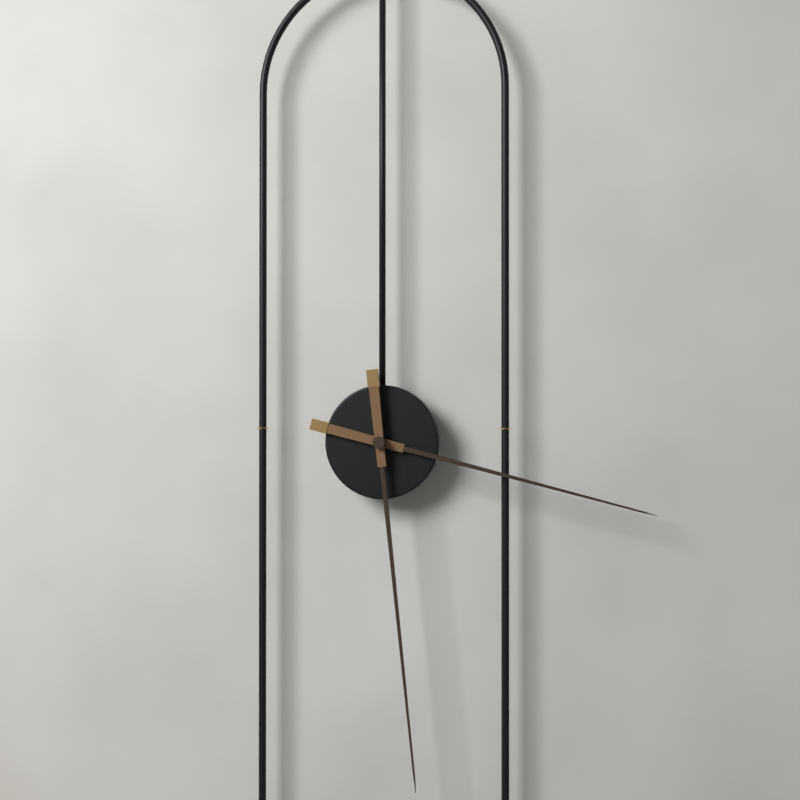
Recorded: 3:29
